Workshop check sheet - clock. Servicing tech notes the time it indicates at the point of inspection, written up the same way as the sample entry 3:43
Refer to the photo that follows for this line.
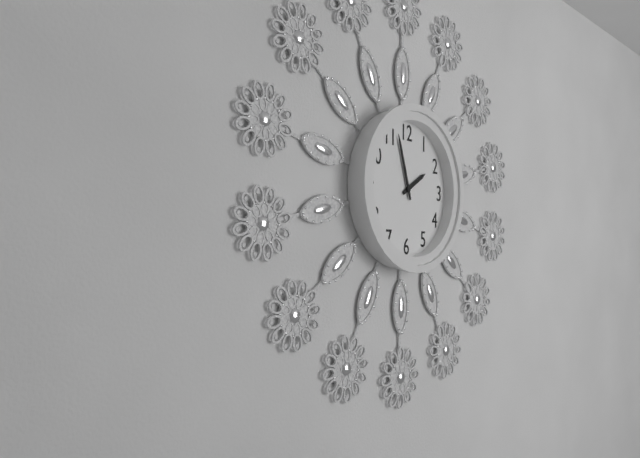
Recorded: 1:57
